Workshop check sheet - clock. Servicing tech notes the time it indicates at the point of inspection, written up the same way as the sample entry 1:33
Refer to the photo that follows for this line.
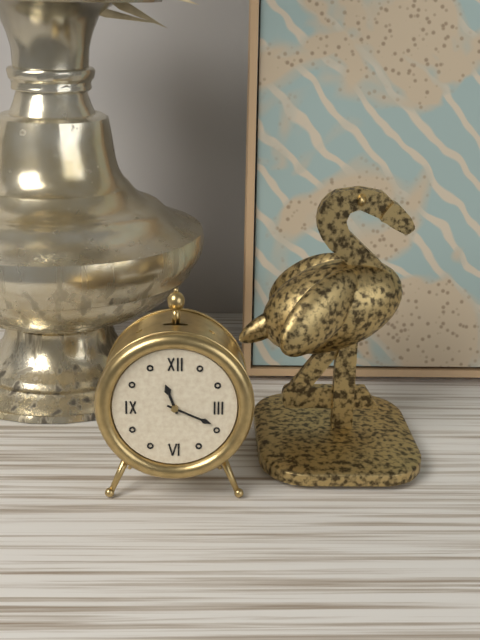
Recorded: 11:19
